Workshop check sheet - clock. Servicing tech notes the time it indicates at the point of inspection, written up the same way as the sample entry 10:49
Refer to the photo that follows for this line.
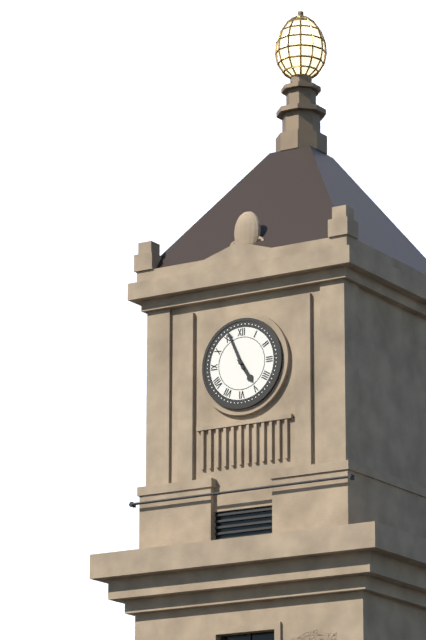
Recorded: 4:56
